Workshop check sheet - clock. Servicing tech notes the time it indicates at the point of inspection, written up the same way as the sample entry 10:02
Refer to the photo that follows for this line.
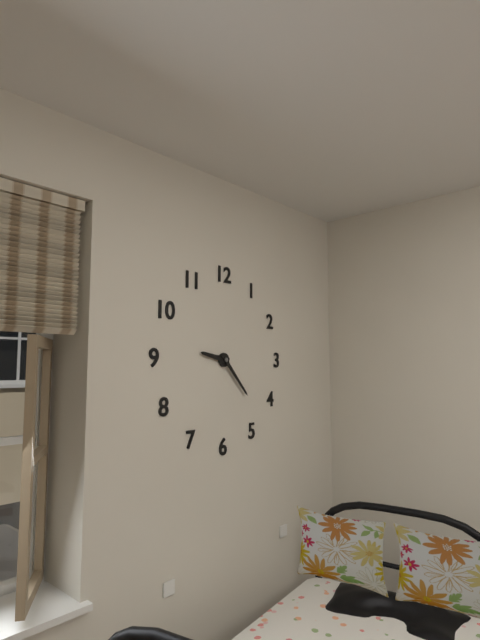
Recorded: 9:23
